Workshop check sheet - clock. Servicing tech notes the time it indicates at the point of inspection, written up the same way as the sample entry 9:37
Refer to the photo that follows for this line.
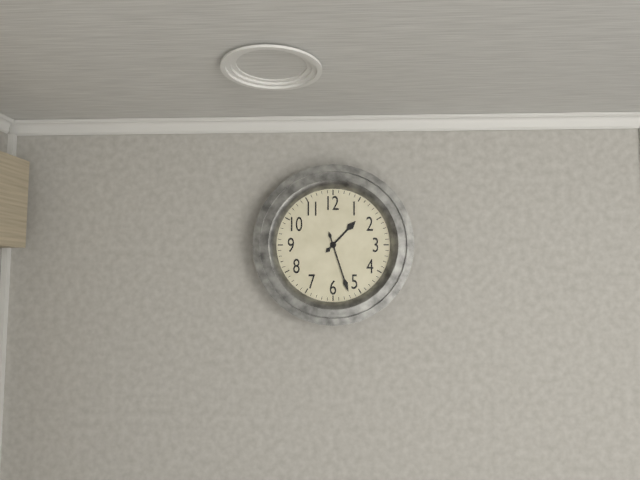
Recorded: 1:27
